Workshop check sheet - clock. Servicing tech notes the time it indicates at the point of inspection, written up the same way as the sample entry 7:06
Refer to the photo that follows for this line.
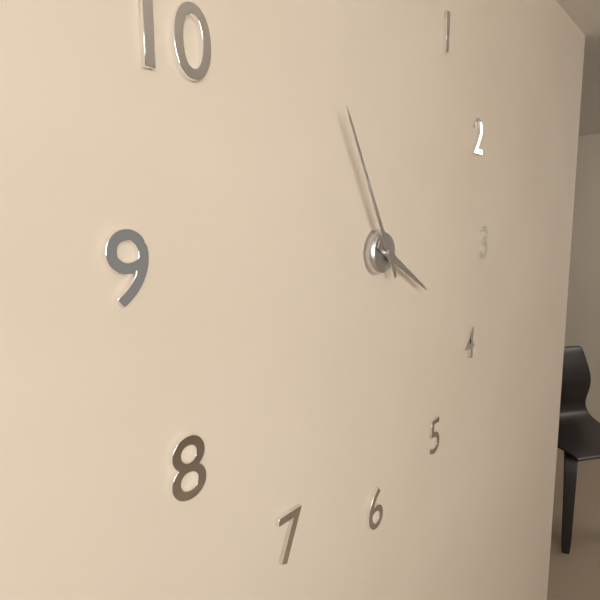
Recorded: 3:55
